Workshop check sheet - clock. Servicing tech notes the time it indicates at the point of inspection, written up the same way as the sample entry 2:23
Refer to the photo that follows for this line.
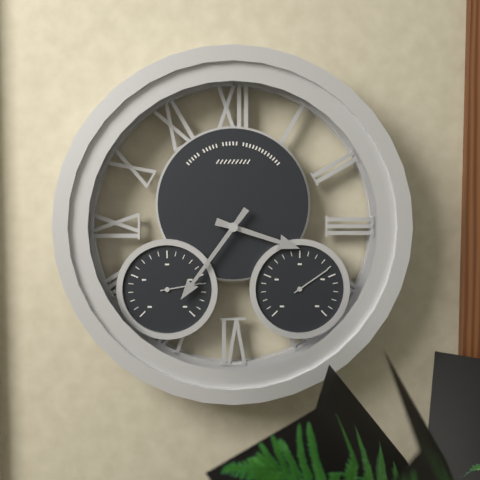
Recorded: 3:36
